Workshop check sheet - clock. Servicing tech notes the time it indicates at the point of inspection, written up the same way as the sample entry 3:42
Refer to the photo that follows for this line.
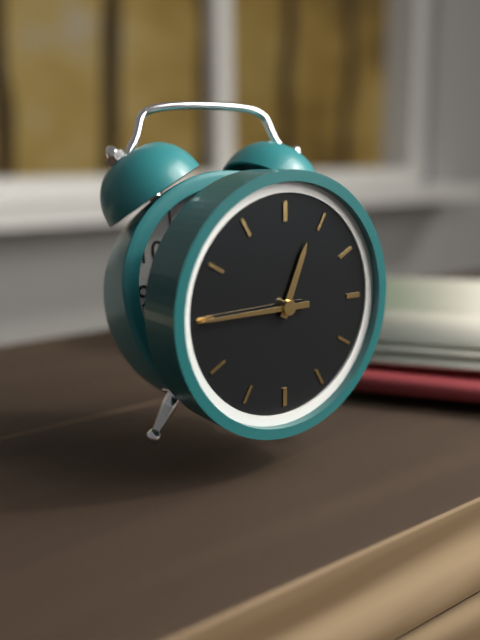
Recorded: 12:45
